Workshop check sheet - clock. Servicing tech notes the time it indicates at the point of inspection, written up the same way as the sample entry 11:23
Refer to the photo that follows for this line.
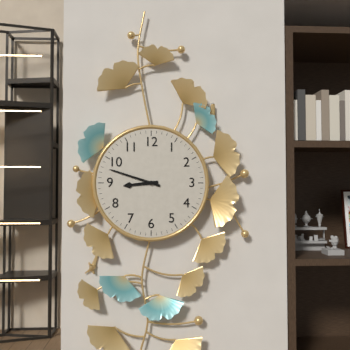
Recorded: 8:48
